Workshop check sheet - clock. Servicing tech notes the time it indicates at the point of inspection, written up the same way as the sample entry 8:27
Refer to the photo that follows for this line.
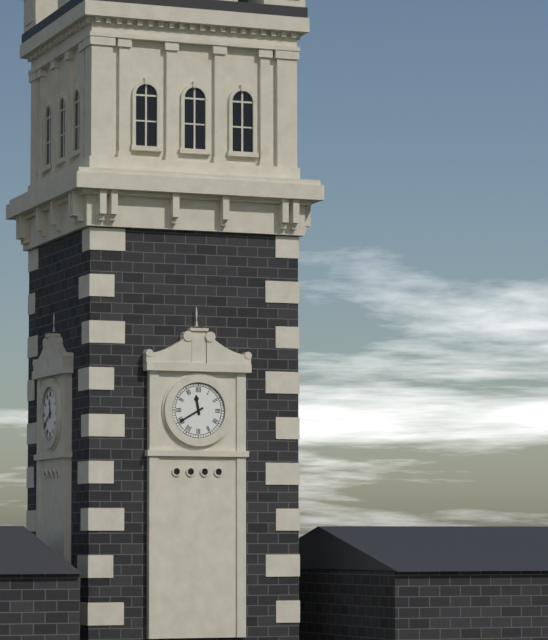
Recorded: 11:40
